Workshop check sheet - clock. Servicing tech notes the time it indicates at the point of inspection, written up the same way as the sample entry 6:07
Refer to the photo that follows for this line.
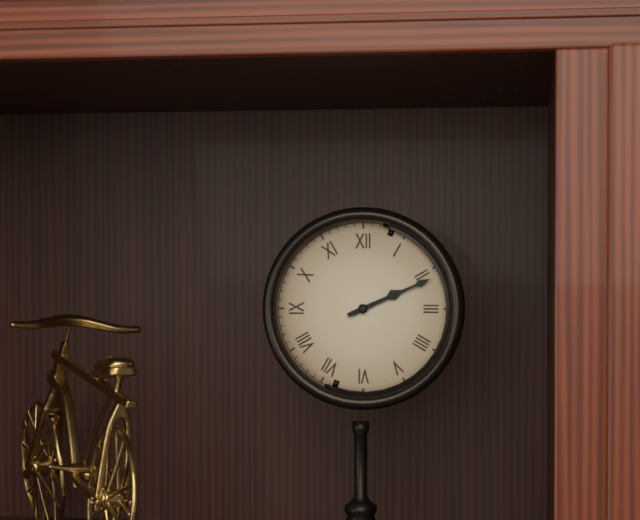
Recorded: 2:11
